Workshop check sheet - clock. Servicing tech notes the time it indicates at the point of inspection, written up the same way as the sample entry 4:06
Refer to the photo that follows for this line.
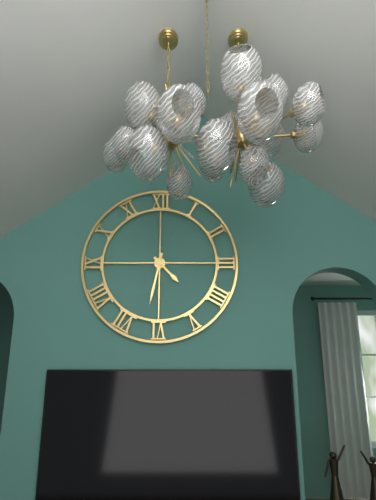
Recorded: 4:32
